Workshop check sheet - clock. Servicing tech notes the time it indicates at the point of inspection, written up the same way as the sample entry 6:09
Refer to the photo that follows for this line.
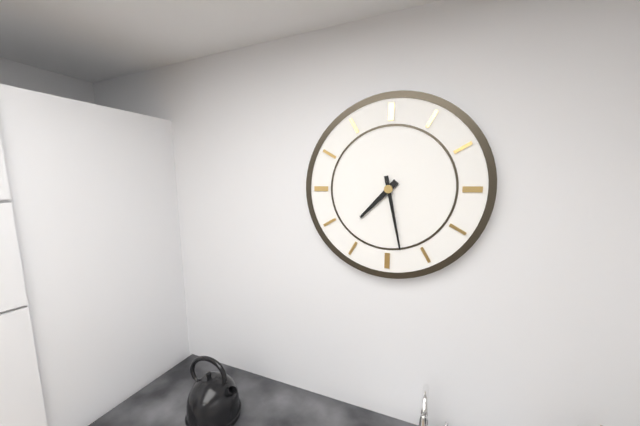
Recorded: 7:28
